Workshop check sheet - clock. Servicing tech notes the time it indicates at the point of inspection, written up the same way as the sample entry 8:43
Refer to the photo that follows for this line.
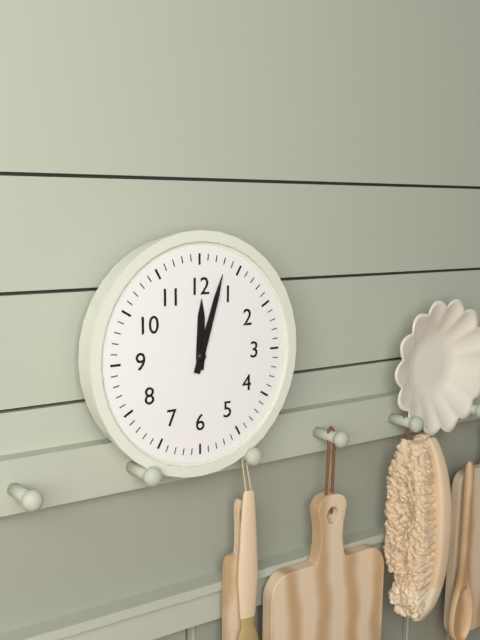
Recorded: 12:03
